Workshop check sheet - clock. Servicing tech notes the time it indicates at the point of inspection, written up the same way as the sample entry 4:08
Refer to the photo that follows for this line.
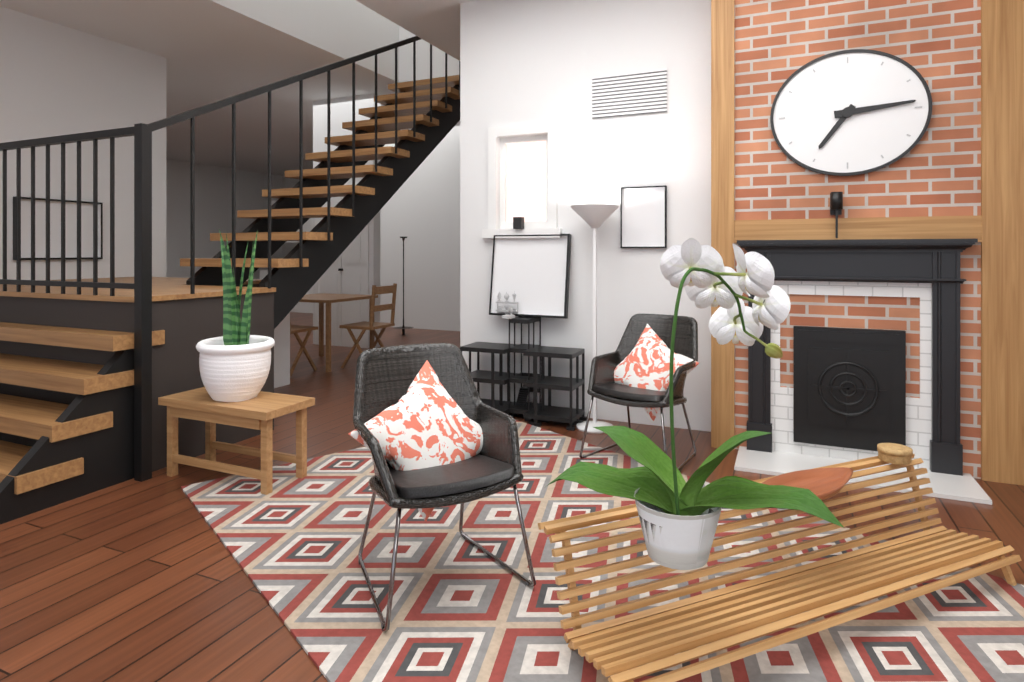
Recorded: 7:14
